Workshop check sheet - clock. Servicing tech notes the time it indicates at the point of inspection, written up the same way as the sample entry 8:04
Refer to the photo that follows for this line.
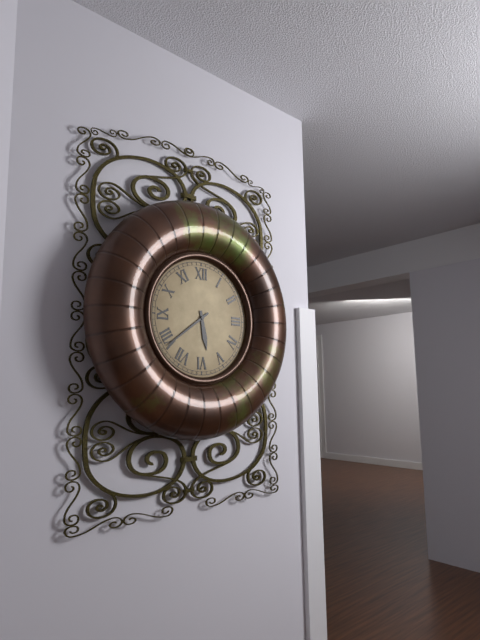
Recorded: 5:39
